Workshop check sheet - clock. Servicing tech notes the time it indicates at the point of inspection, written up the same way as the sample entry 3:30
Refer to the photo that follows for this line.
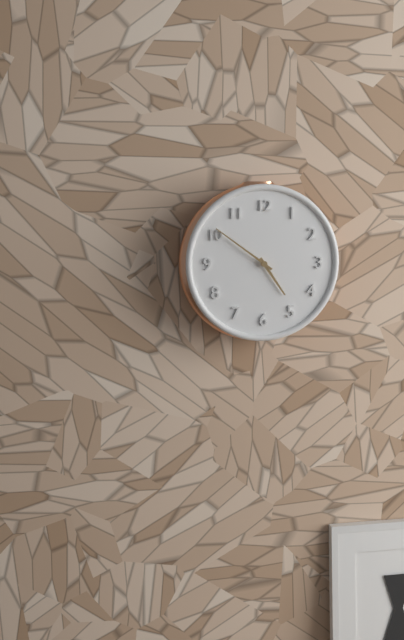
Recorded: 4:51
